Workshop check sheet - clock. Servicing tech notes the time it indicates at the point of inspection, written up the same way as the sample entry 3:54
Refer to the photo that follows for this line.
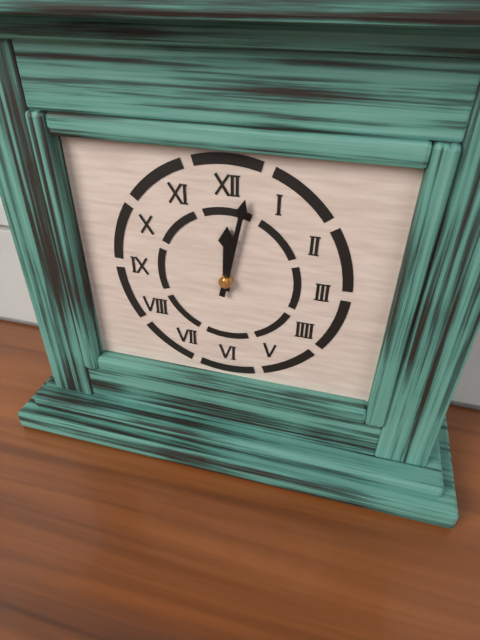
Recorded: 12:02
